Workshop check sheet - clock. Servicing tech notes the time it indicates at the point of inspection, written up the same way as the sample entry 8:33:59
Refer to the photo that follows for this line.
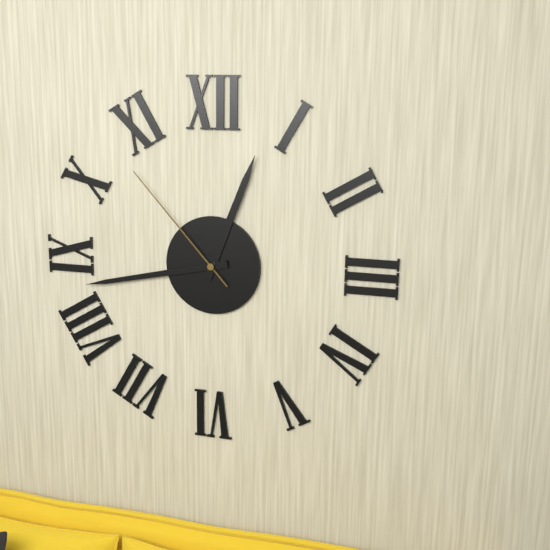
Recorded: 12:43:53
